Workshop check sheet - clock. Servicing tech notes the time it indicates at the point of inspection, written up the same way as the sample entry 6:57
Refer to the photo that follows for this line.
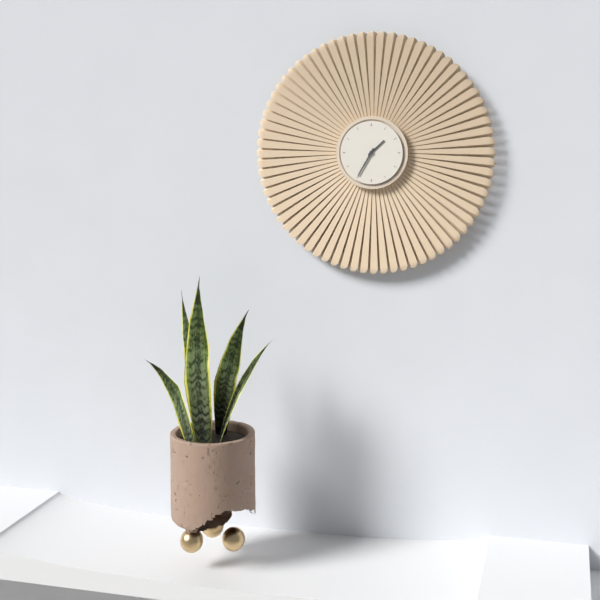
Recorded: 1:35
